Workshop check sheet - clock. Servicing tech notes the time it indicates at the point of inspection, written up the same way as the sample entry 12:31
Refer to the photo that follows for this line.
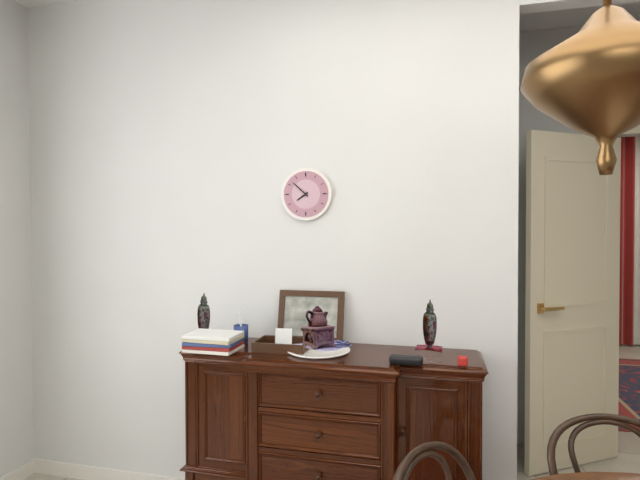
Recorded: 7:52
